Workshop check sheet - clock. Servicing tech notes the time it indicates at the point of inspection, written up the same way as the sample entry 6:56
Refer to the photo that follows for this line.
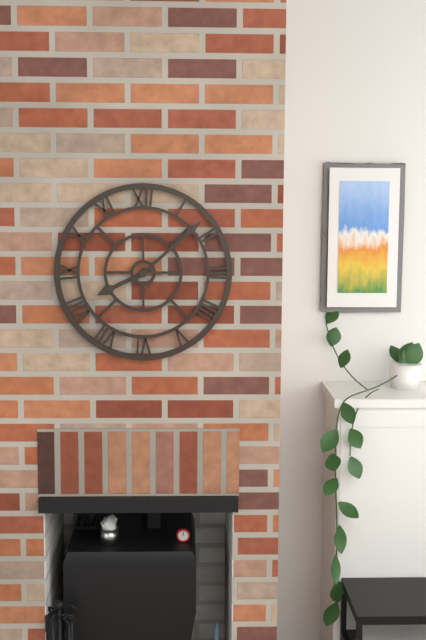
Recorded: 8:08
